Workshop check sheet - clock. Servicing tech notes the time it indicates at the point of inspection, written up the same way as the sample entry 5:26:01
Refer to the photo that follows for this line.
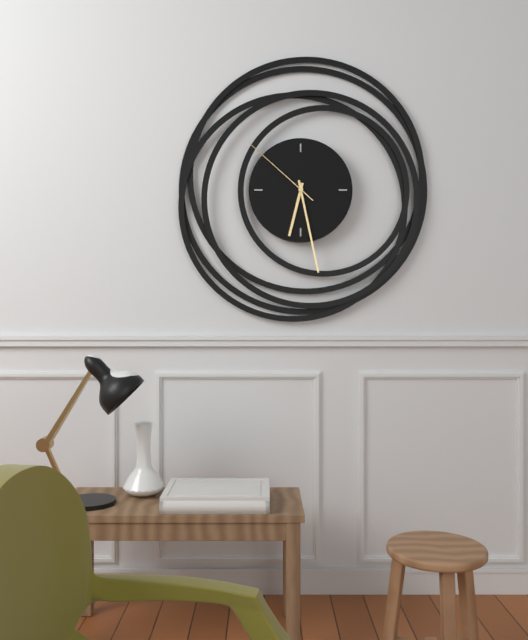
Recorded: 6:28:52
